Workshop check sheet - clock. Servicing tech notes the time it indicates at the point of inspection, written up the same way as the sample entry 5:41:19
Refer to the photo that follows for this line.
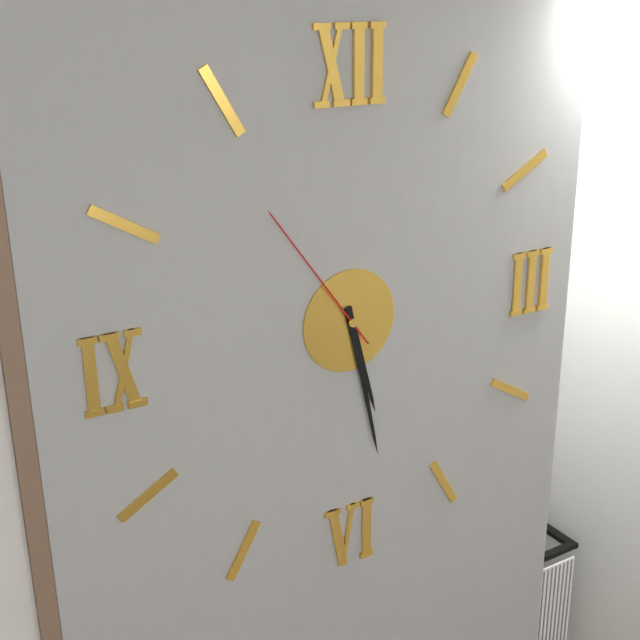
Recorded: 5:28:54
